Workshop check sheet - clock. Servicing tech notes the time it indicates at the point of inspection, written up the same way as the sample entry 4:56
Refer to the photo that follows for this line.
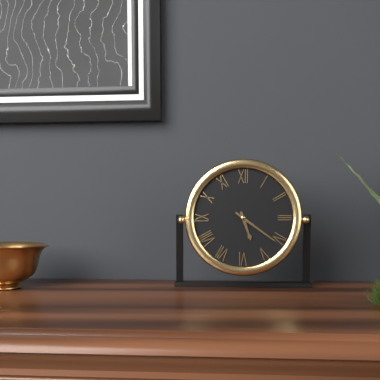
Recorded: 5:21
